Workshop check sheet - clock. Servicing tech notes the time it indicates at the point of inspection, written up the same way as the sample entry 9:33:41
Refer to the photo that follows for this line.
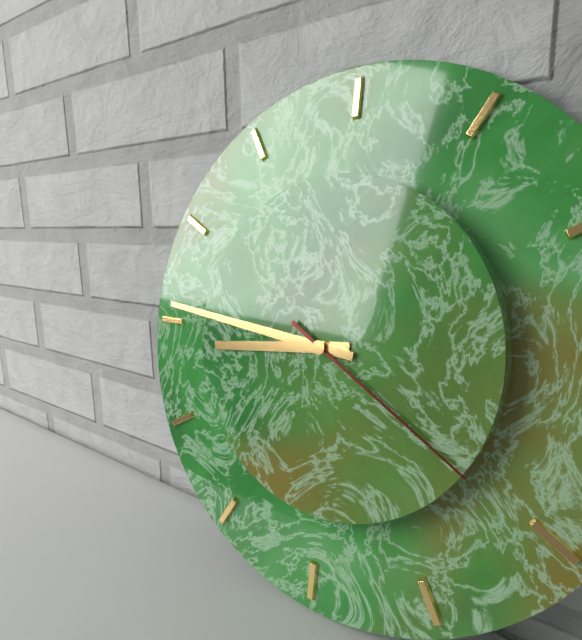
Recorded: 8:46:20
